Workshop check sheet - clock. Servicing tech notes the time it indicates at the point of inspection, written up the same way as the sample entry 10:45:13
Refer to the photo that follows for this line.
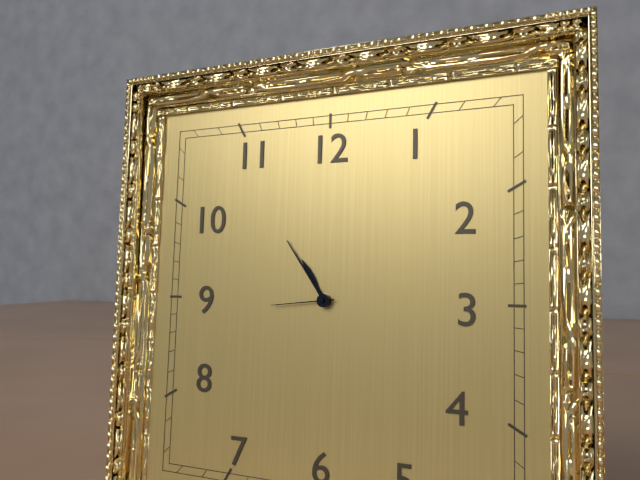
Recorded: 10:54:44
